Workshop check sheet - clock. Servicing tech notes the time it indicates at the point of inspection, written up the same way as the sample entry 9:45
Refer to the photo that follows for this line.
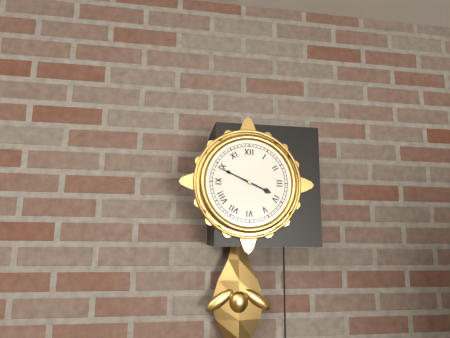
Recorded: 3:49
